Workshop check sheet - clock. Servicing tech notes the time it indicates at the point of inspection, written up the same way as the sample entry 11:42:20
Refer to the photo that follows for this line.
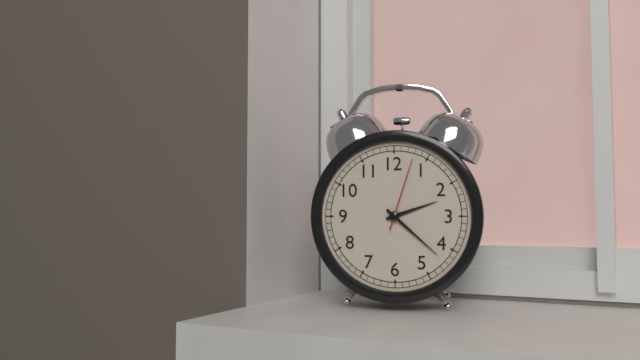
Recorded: 2:22:03
